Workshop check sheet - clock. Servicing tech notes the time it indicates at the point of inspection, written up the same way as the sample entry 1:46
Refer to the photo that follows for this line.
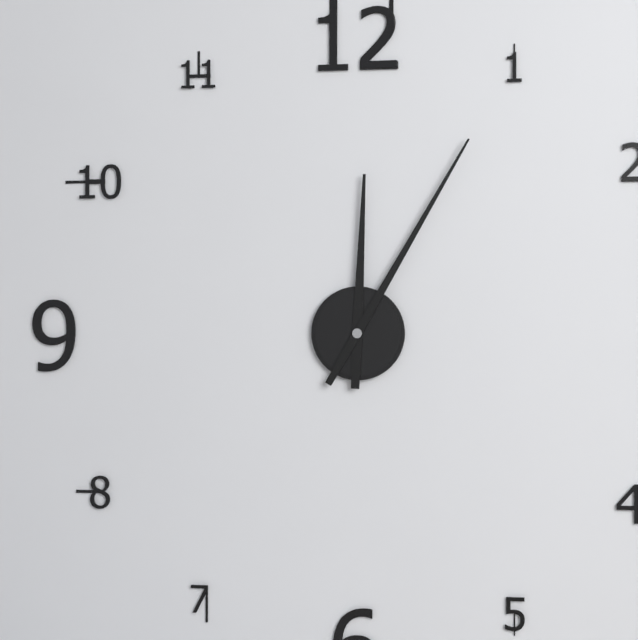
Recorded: 12:05
